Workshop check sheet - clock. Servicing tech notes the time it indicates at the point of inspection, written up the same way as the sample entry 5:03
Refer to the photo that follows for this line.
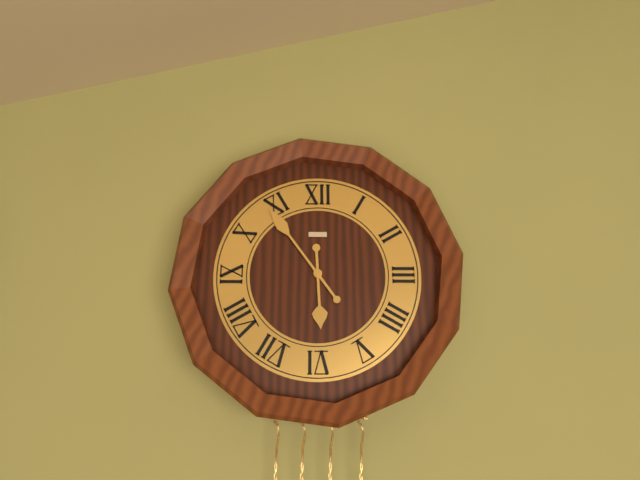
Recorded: 5:54
